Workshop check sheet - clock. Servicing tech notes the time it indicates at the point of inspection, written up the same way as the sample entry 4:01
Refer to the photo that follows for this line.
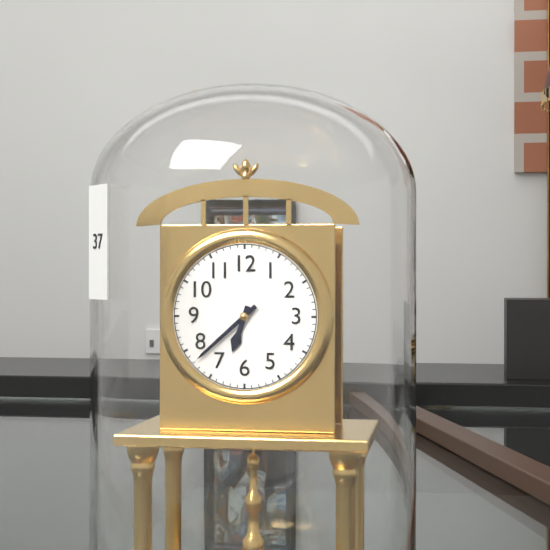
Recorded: 6:38
